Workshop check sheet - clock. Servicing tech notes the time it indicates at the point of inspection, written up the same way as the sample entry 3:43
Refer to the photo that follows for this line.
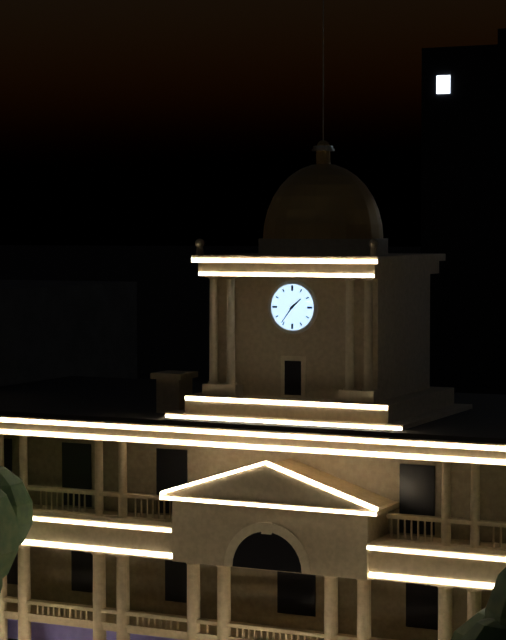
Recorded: 1:36
